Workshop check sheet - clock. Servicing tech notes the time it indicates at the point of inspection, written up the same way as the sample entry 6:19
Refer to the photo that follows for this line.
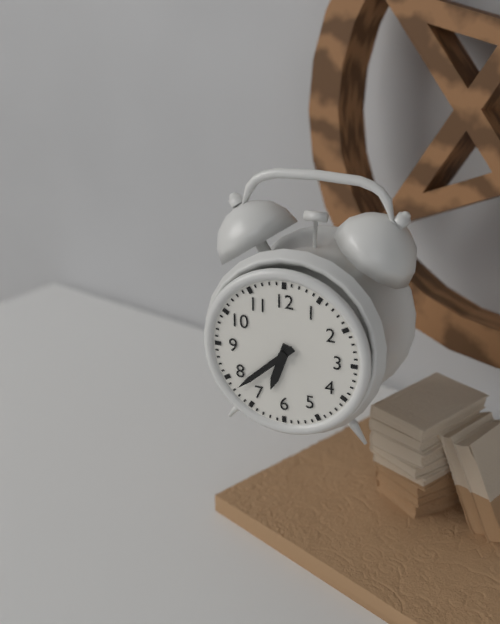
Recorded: 6:38
